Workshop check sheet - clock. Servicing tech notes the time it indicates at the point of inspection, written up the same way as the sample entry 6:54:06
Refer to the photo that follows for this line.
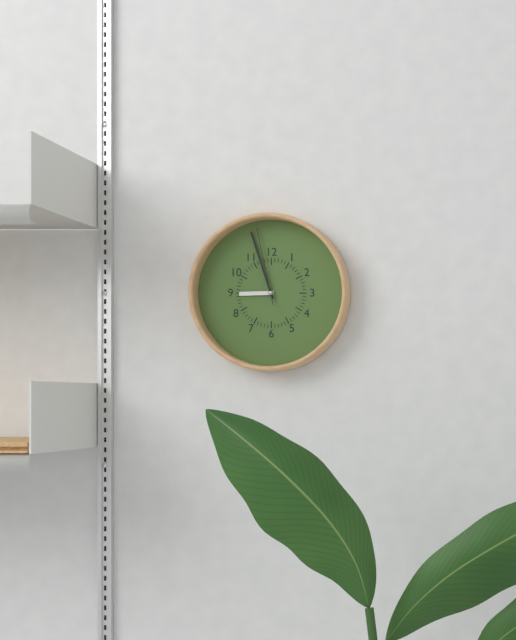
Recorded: 8:57:58
